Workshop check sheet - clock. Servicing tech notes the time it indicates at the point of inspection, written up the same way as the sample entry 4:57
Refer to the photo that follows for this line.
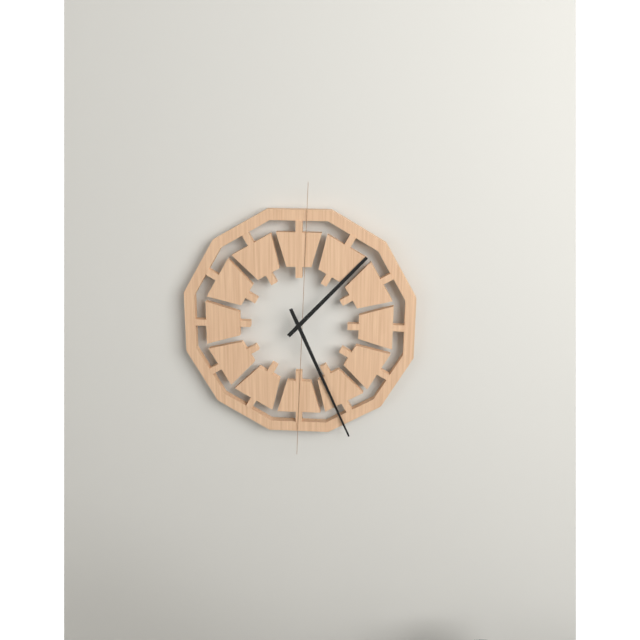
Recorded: 1:26
